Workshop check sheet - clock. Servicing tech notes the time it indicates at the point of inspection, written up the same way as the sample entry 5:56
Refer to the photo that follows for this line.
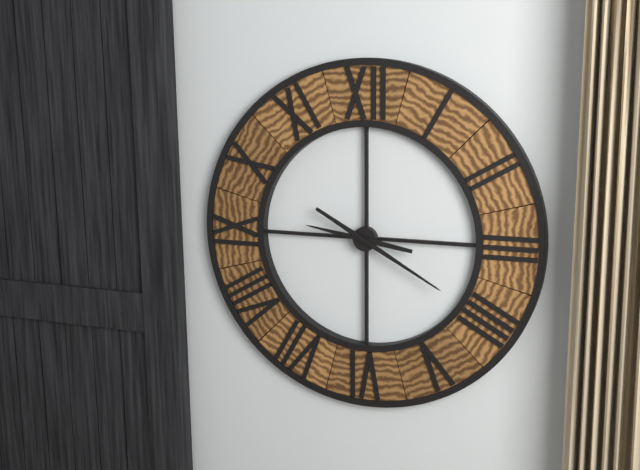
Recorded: 9:20
